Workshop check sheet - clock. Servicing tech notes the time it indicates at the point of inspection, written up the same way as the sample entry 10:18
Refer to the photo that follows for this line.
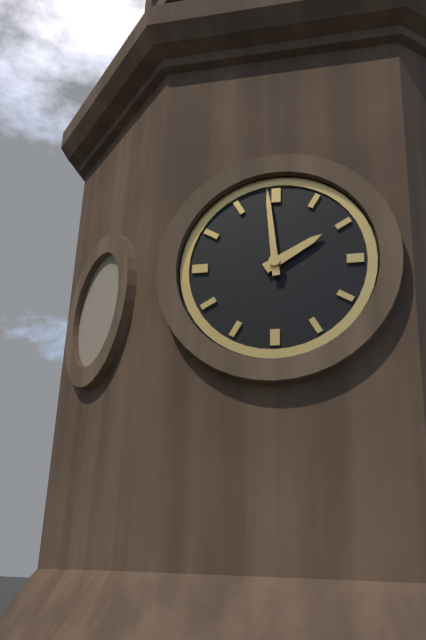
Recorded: 1:59
